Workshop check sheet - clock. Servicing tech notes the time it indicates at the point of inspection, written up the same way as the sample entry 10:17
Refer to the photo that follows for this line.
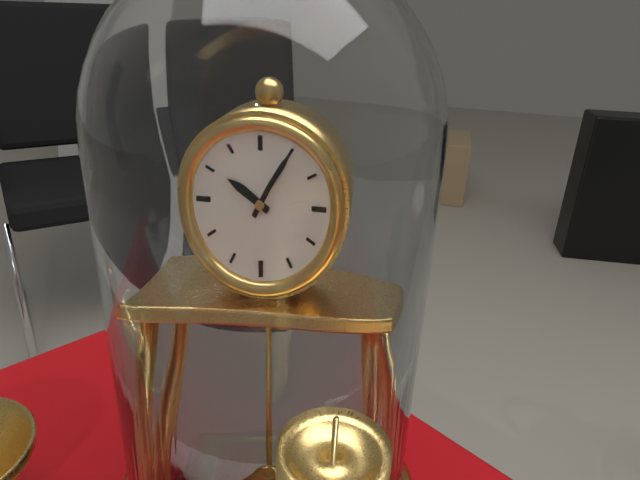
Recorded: 10:05
